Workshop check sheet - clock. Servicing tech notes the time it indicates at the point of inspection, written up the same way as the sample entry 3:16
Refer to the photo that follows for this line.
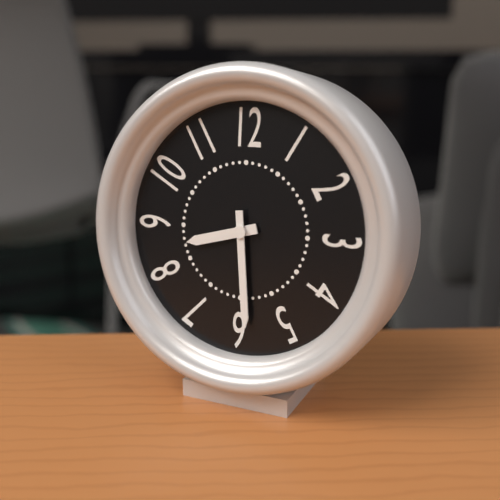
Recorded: 8:29
